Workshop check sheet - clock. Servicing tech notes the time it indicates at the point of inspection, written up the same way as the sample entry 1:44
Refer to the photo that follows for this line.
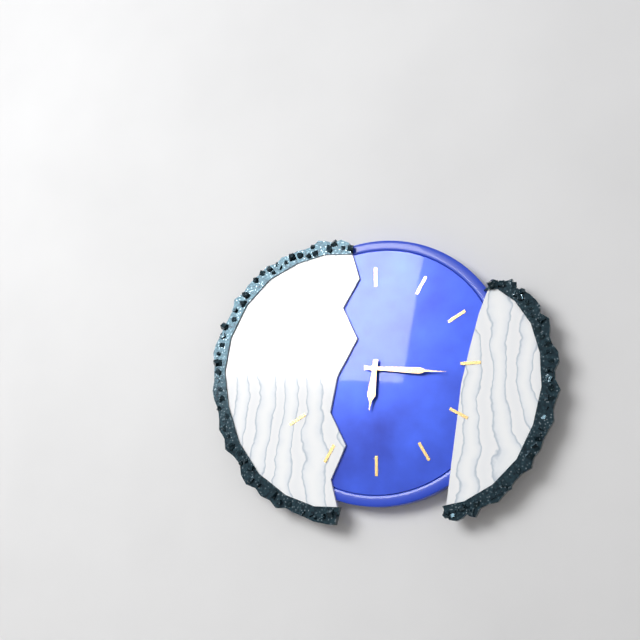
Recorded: 6:16
